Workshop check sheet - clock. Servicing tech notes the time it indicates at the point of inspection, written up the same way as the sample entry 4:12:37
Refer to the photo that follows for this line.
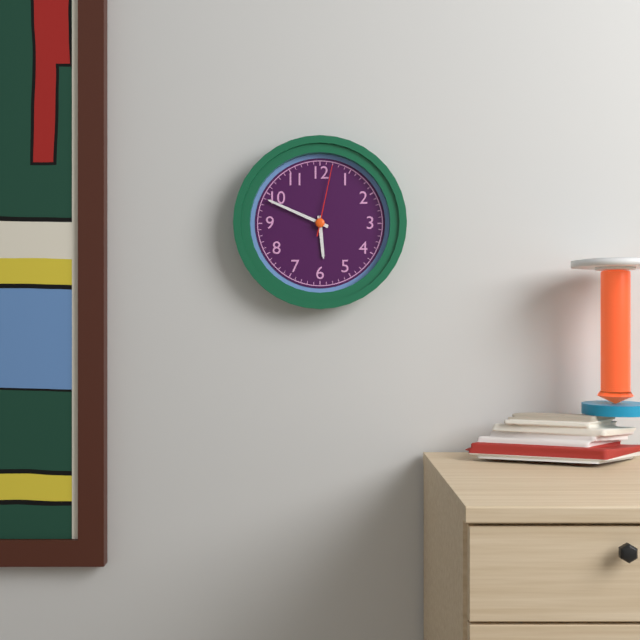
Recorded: 5:49:02
